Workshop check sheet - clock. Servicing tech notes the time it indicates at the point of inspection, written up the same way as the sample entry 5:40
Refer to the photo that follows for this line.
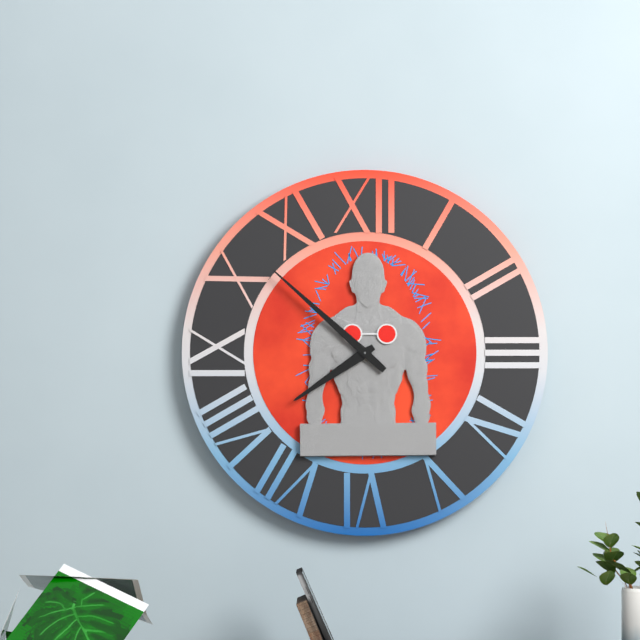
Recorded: 7:52
